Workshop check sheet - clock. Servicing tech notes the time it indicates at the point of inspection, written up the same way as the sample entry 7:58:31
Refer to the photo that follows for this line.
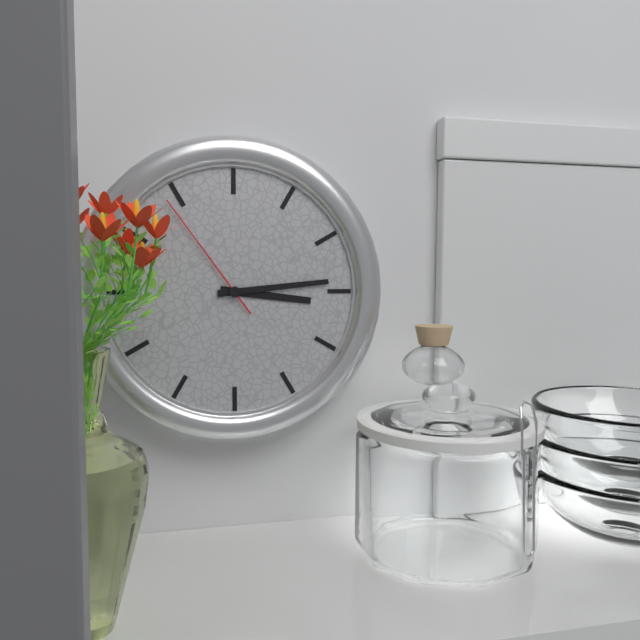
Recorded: 3:14:54
